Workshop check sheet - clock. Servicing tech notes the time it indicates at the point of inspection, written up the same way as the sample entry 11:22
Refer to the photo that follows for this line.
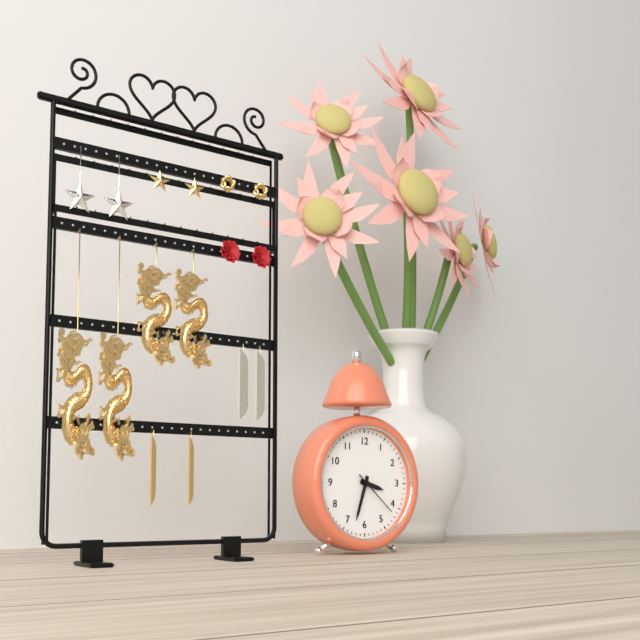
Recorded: 3:33
